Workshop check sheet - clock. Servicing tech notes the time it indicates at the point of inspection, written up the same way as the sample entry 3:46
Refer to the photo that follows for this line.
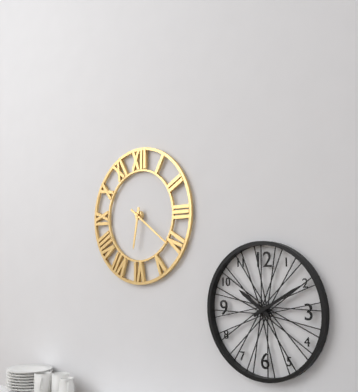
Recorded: 6:21
